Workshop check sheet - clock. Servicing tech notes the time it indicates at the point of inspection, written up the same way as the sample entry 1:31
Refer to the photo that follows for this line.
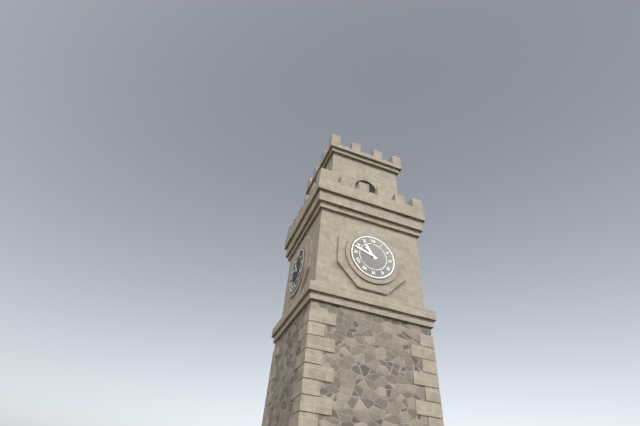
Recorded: 10:48
